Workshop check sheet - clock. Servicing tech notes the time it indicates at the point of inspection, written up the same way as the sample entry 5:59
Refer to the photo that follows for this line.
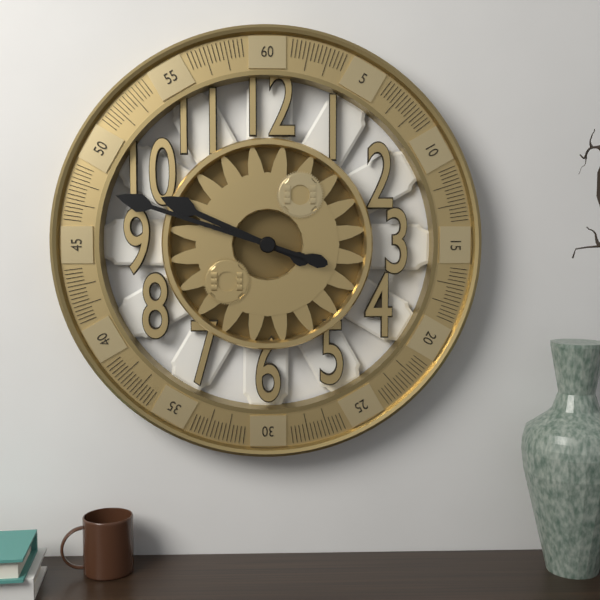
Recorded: 9:48
